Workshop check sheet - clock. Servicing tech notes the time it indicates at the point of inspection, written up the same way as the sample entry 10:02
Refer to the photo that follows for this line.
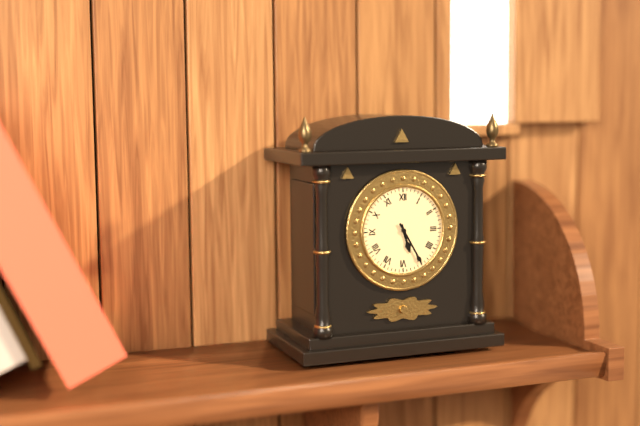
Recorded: 5:25
